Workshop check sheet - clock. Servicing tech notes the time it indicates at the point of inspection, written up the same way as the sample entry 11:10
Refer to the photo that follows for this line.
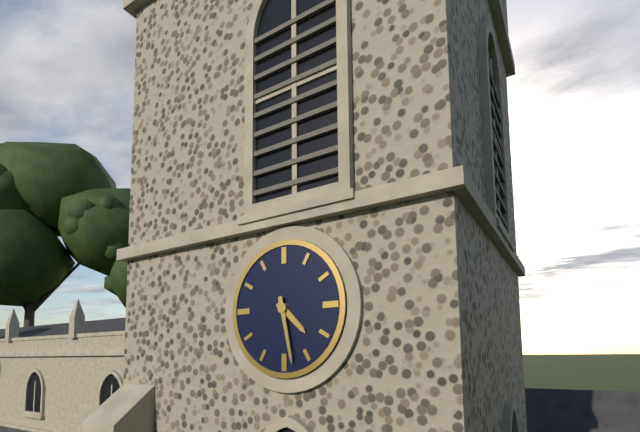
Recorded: 4:28
